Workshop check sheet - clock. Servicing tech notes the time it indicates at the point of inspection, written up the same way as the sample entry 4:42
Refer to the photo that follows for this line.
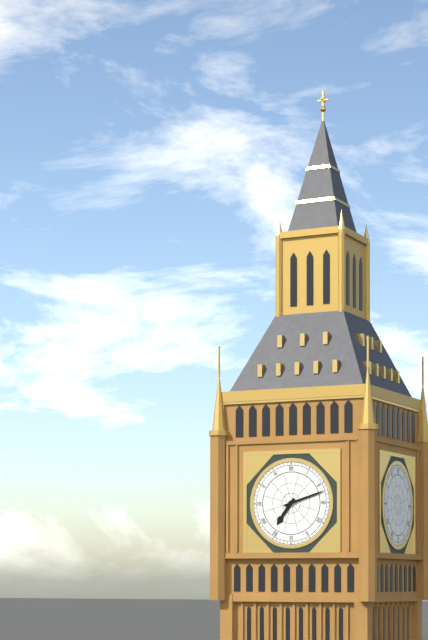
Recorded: 7:12
